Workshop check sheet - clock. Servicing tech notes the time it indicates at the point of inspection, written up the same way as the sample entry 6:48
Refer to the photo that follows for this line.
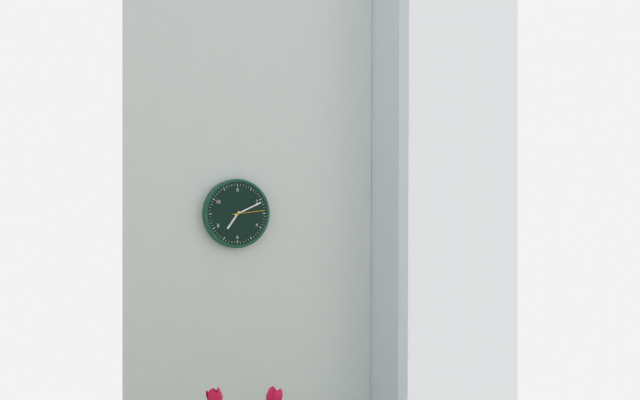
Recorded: 7:11
